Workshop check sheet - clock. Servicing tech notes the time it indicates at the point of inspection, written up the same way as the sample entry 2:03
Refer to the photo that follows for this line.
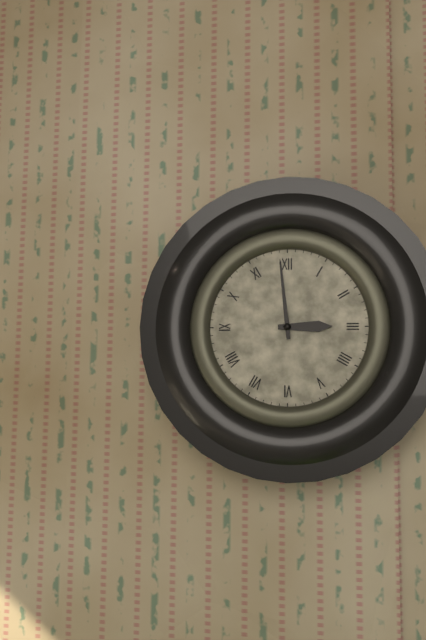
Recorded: 2:59
